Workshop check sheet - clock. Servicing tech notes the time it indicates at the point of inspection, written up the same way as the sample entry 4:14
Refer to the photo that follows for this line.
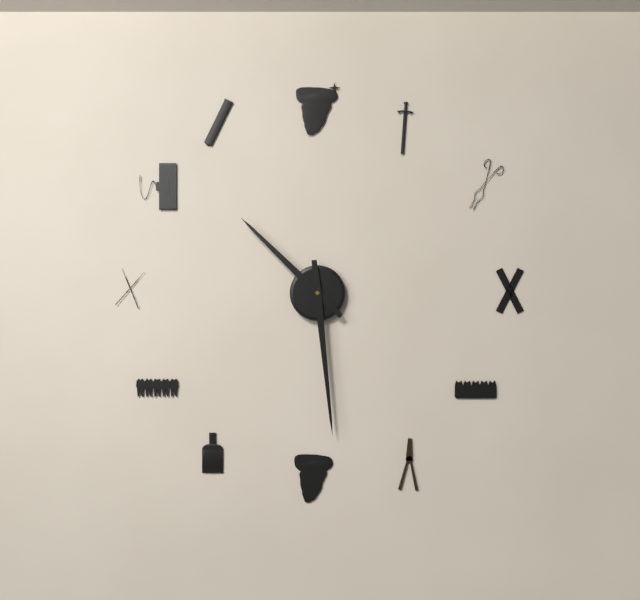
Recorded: 10:29
